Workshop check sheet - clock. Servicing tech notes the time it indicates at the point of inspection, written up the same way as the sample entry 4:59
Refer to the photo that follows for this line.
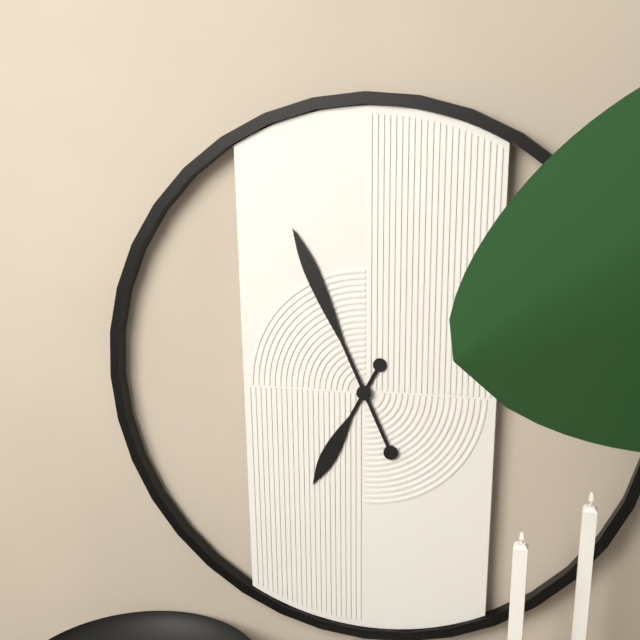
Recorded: 6:56
